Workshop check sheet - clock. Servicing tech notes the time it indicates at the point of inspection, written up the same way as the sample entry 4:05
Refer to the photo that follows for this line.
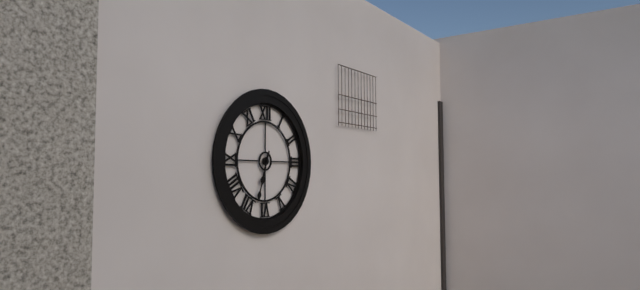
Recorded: 6:33
